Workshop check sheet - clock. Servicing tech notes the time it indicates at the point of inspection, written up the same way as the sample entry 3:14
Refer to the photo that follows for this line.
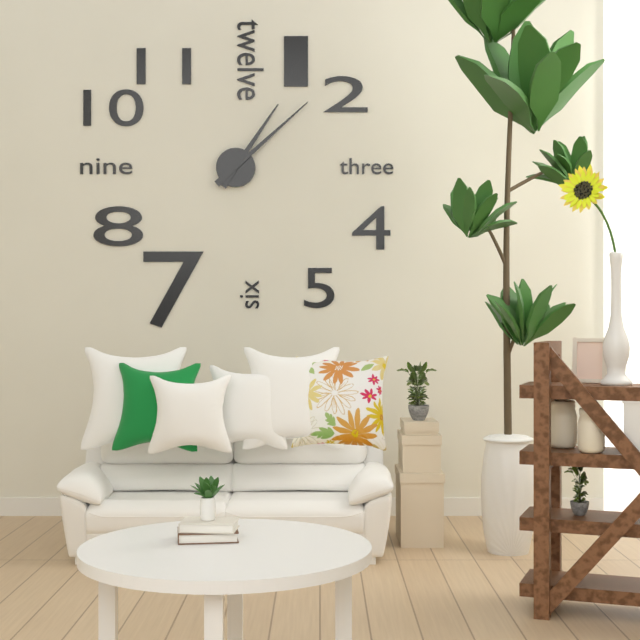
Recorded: 1:08
